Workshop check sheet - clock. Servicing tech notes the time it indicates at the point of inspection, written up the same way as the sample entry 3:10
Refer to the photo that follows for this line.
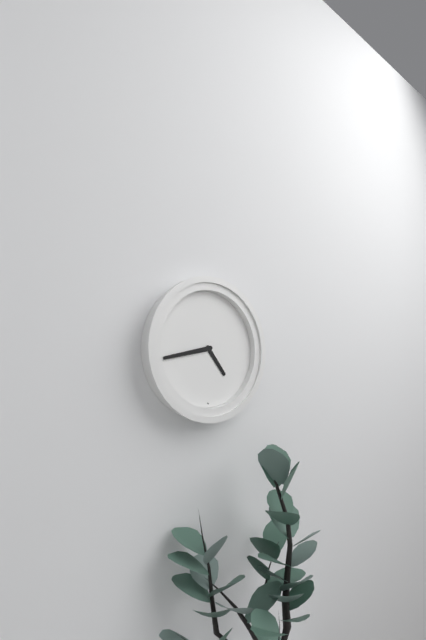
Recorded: 4:43
